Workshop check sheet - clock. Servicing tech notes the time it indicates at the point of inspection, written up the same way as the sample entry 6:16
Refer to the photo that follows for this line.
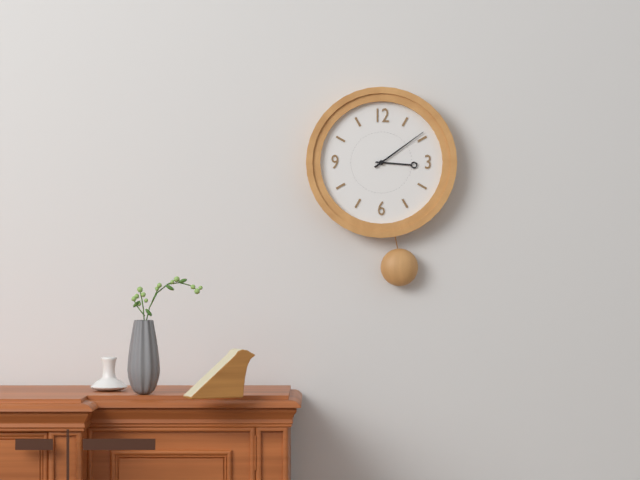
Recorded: 3:09
